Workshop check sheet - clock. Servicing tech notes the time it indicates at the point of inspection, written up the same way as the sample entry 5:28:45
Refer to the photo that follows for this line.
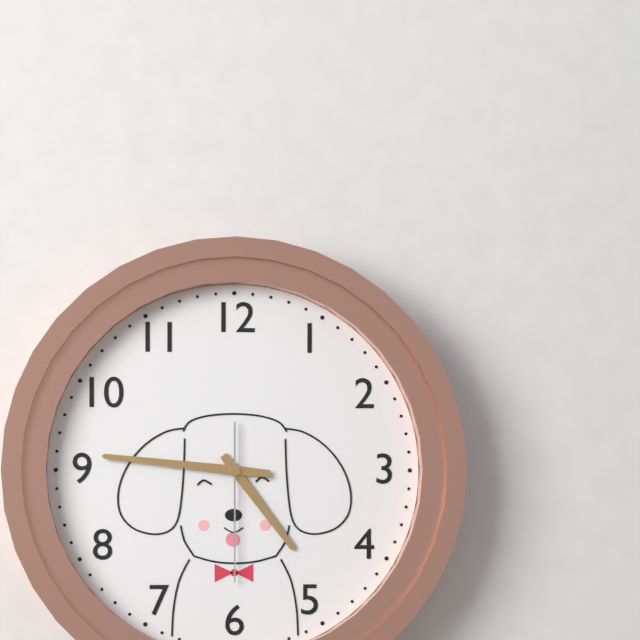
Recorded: 4:46:30
